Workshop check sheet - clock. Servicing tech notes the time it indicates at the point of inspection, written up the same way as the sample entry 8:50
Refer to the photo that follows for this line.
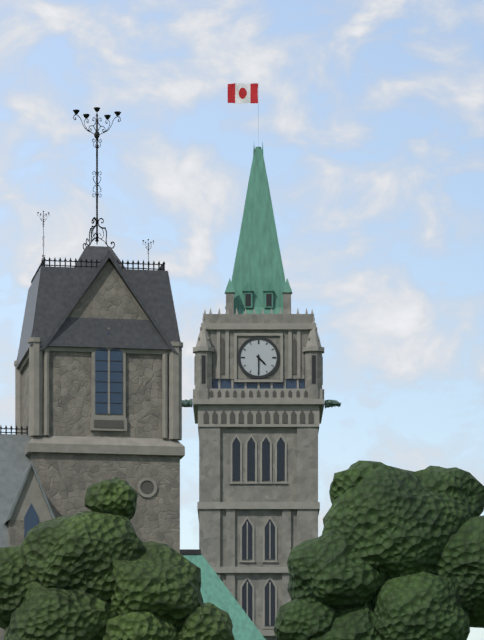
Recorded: 4:30
